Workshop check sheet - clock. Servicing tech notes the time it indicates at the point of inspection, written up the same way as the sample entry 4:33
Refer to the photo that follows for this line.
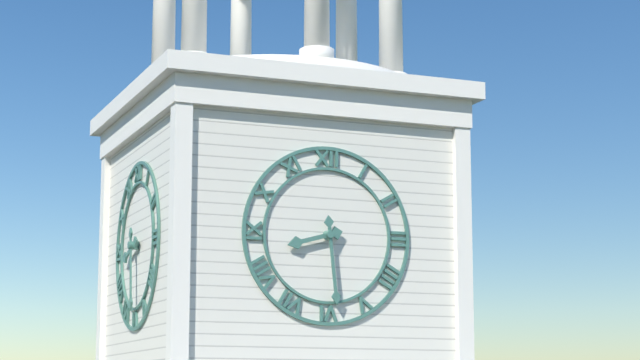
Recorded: 8:29
